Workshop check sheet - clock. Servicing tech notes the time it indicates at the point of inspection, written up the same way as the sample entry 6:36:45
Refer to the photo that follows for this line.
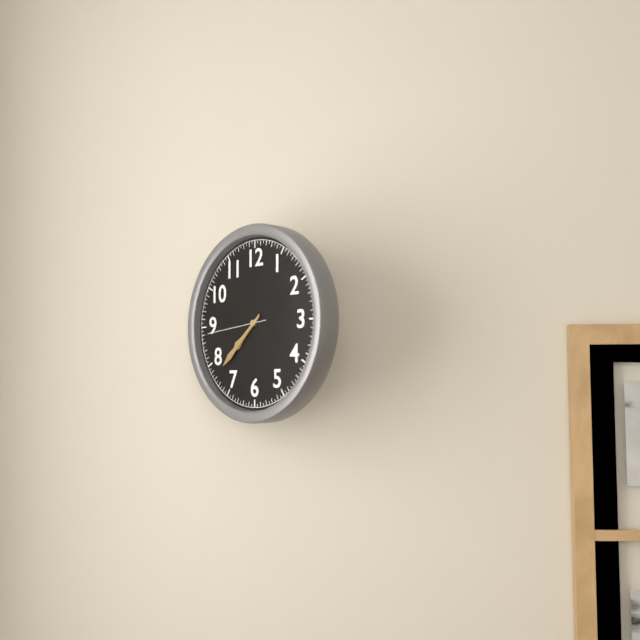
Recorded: 7:38:44
